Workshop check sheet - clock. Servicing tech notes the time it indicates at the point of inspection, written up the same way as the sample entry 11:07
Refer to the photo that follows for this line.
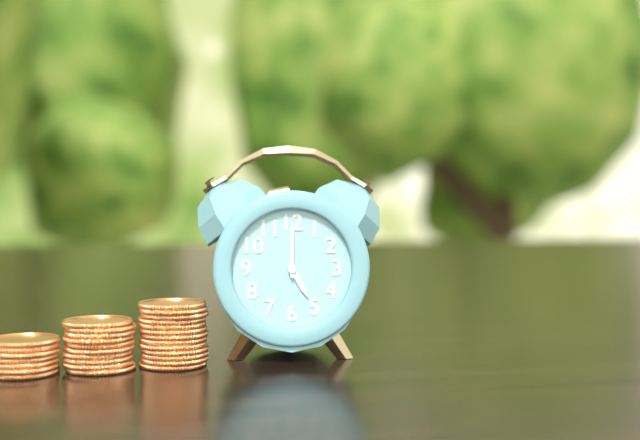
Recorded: 5:00
